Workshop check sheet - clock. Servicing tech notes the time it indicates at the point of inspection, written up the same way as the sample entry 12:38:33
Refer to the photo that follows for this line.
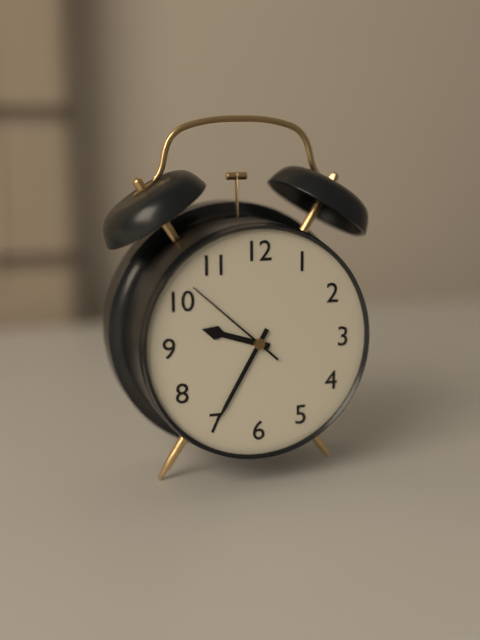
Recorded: 9:35:52
